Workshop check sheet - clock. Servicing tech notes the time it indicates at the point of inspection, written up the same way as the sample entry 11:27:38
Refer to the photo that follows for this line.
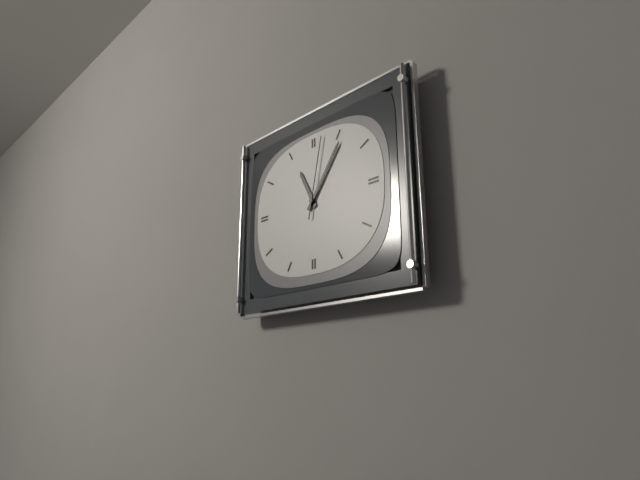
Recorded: 11:06:02
